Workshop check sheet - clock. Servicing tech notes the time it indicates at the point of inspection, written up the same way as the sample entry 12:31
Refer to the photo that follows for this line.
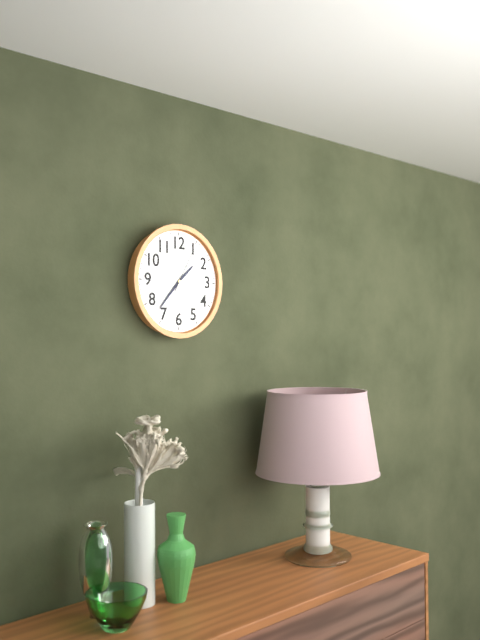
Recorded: 1:37
